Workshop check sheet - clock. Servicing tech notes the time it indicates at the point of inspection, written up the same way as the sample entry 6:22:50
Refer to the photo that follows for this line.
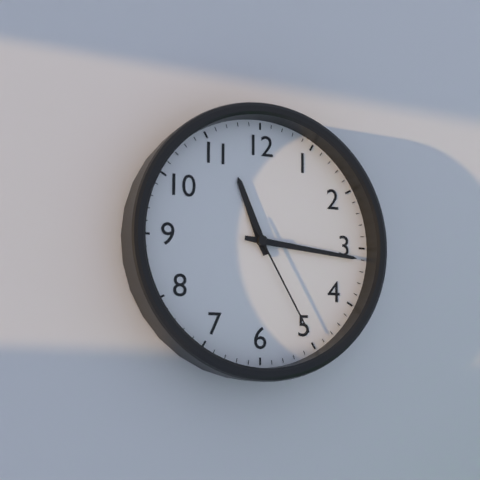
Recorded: 11:16:25
